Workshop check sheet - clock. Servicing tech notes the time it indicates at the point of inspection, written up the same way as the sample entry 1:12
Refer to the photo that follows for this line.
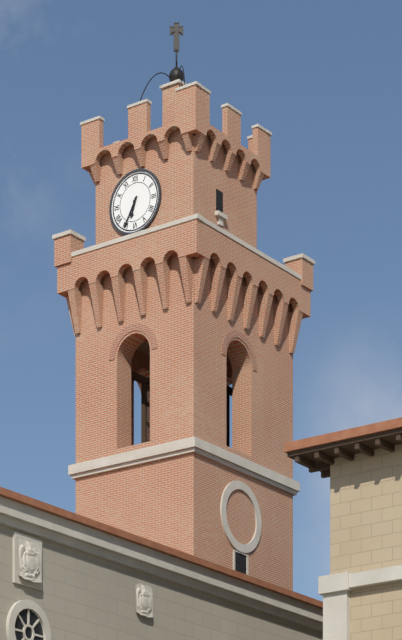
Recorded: 6:35
